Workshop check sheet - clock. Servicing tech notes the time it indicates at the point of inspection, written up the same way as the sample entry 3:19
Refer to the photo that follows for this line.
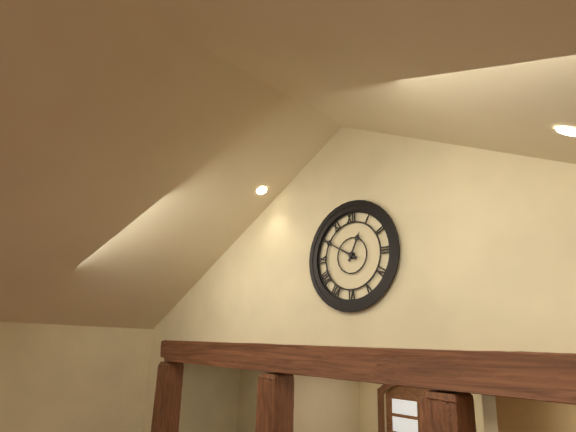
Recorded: 12:50
